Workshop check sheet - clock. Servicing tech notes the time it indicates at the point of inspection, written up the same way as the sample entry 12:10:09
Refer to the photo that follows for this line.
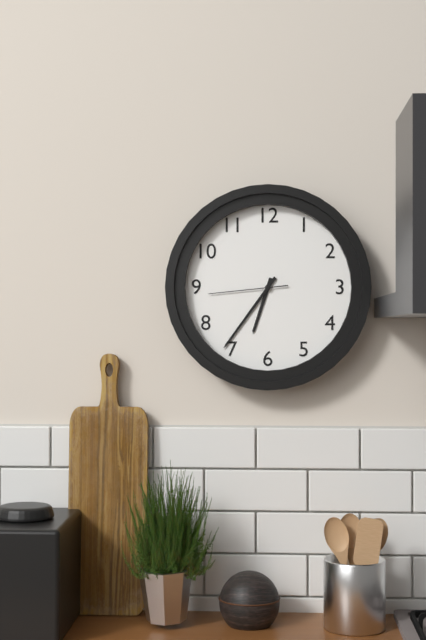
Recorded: 6:36:44
